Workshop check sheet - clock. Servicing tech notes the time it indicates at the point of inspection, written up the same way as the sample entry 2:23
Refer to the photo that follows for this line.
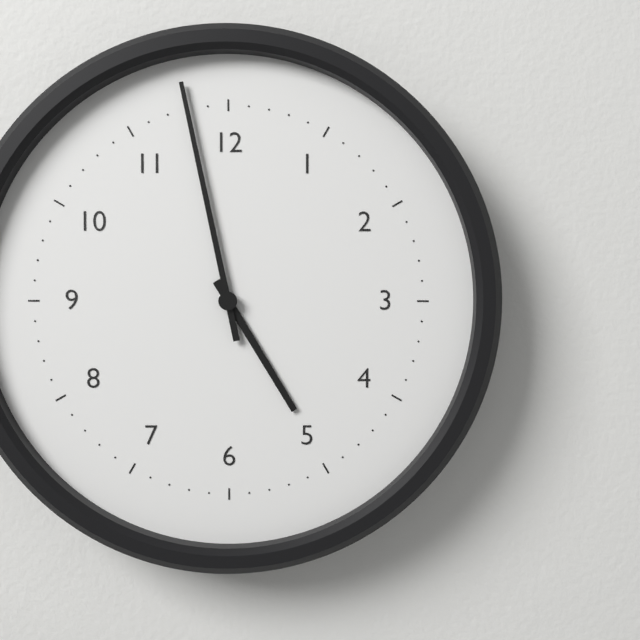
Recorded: 4:58
